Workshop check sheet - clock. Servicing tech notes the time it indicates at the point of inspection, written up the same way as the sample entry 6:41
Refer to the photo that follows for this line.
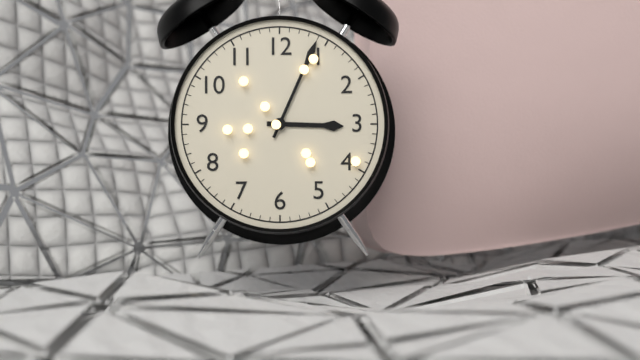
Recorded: 3:04
